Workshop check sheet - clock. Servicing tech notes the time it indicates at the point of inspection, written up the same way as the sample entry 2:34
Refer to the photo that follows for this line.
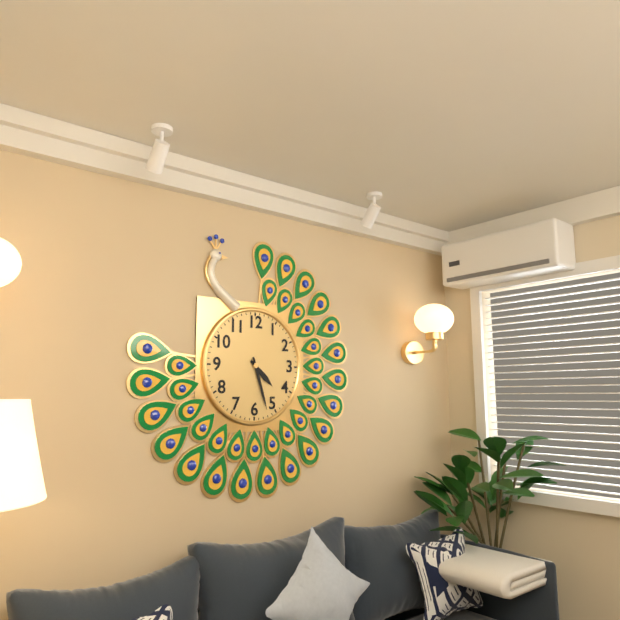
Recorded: 4:27
